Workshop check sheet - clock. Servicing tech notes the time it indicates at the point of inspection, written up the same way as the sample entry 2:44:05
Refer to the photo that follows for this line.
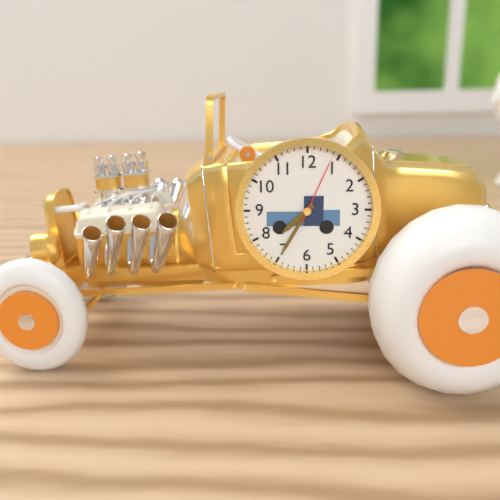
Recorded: 7:35:04
